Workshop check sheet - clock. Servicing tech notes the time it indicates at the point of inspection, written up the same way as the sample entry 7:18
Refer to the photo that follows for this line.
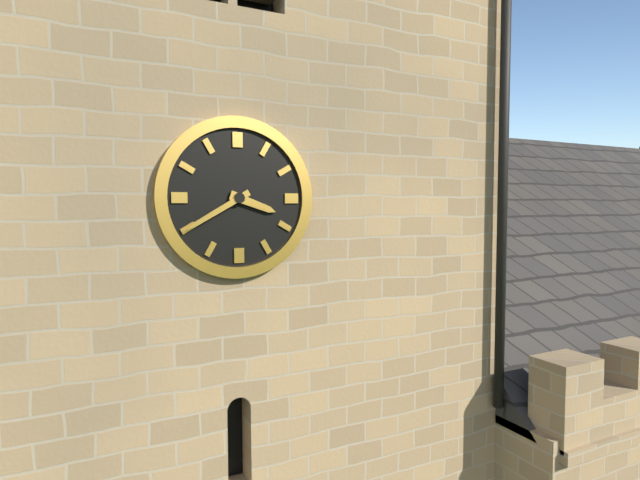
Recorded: 3:40
